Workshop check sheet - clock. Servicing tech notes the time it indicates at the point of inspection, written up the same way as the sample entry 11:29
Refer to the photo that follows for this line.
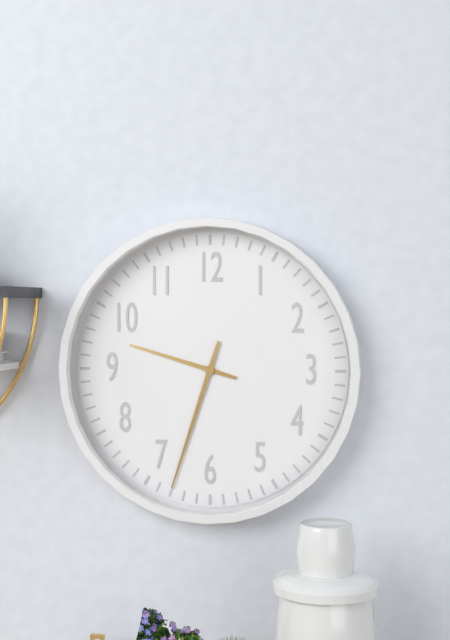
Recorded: 9:33
